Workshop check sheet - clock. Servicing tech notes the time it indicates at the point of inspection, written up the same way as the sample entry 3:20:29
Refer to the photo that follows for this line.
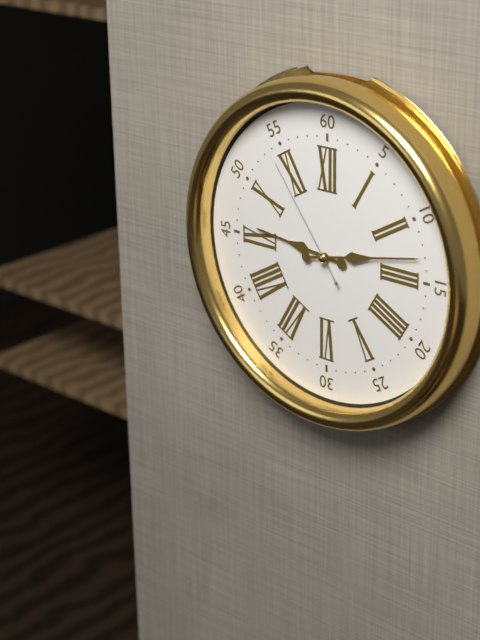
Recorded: 9:13:54
